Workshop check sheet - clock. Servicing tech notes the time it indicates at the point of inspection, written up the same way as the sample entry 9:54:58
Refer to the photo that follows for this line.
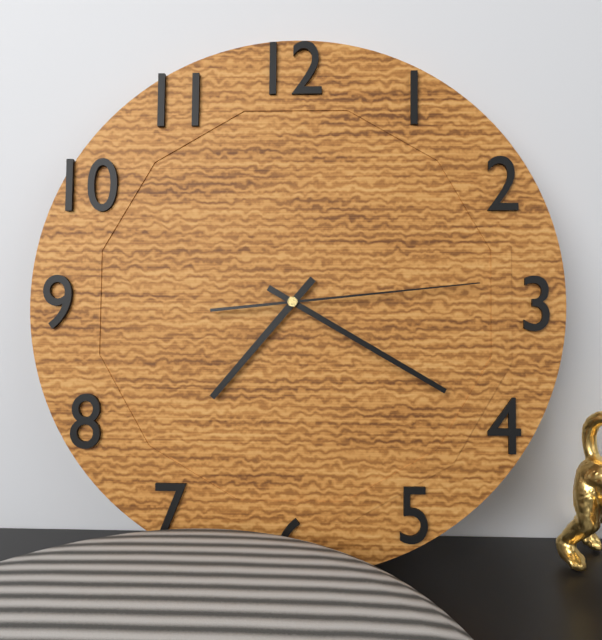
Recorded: 7:20:14
